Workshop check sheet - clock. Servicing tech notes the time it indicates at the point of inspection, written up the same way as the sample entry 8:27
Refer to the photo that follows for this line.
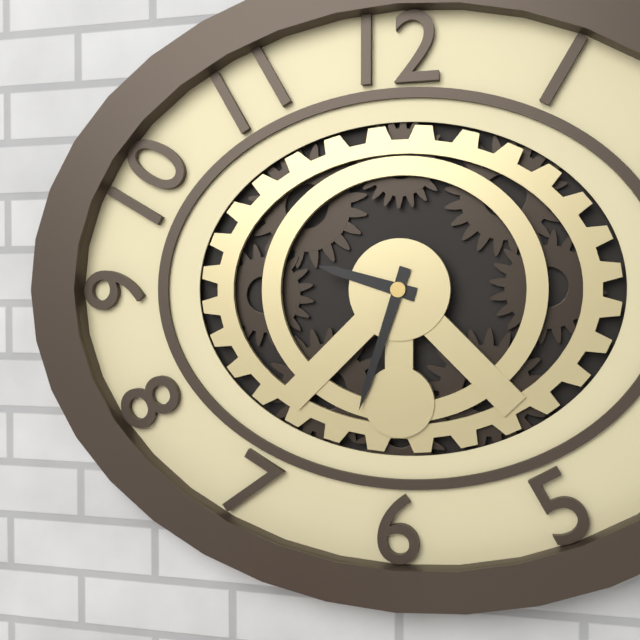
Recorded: 9:33
